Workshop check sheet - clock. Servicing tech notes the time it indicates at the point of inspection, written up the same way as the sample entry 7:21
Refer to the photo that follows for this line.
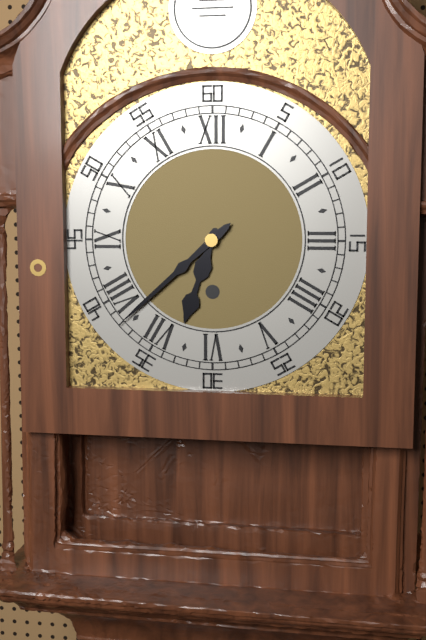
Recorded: 6:38
